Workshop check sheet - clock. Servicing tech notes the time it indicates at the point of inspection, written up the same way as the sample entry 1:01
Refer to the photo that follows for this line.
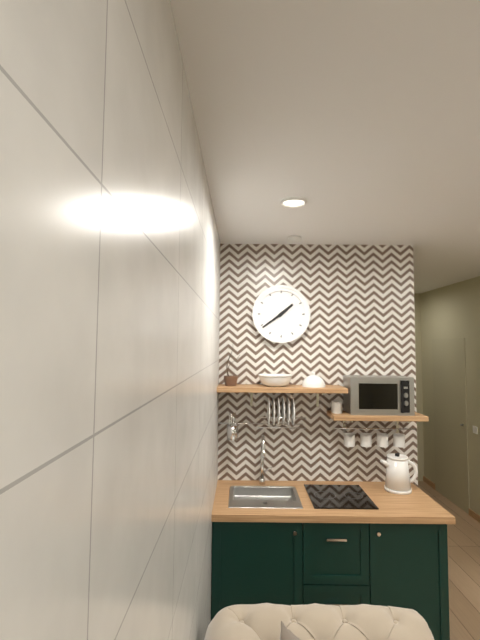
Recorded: 1:39
